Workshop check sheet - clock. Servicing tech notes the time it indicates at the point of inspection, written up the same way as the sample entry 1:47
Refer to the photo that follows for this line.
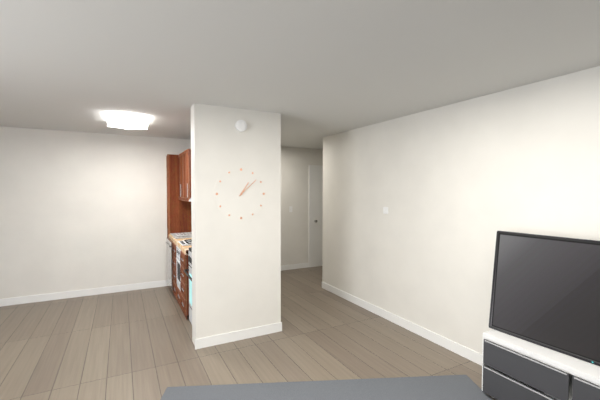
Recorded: 1:08
